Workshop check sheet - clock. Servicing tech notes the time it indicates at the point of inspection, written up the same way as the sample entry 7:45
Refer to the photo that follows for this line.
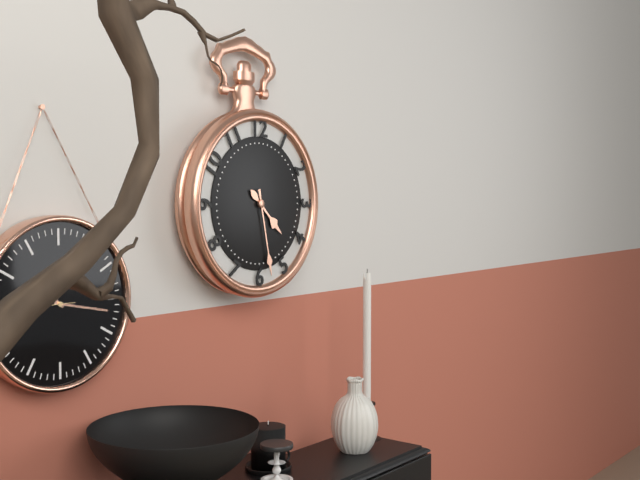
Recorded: 4:28
